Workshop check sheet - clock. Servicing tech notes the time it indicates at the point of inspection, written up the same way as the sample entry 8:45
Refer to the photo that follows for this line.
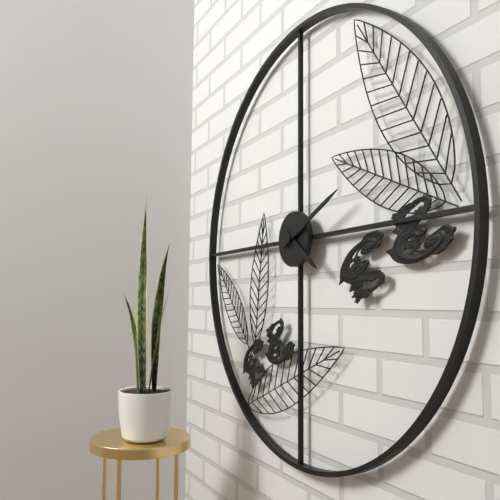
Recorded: 4:11
